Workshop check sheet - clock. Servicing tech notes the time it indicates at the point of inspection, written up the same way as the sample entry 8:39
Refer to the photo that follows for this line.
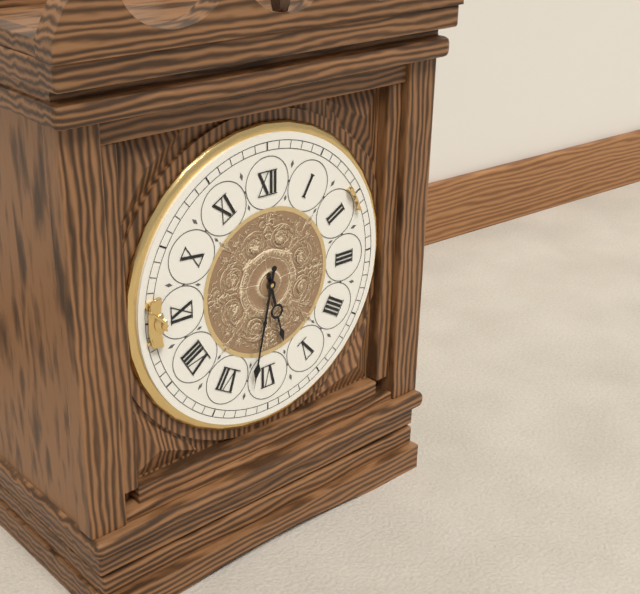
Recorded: 5:32
